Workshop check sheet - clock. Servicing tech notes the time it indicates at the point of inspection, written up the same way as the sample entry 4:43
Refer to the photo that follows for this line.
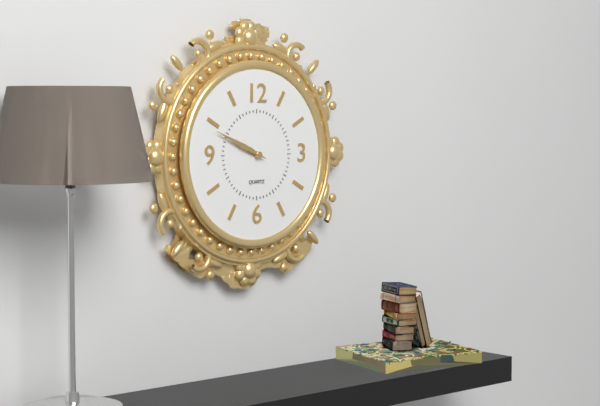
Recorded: 9:49
